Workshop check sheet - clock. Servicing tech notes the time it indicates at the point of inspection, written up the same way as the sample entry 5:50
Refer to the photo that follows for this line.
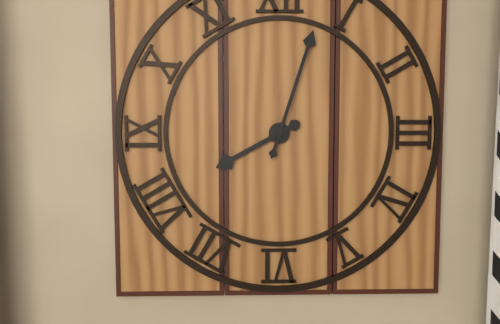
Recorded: 8:03
